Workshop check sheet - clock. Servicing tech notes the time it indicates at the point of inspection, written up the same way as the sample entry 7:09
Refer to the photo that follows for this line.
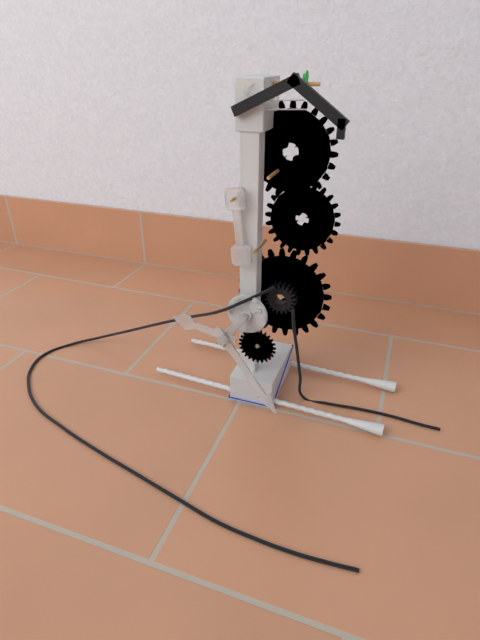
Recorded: 9:24
